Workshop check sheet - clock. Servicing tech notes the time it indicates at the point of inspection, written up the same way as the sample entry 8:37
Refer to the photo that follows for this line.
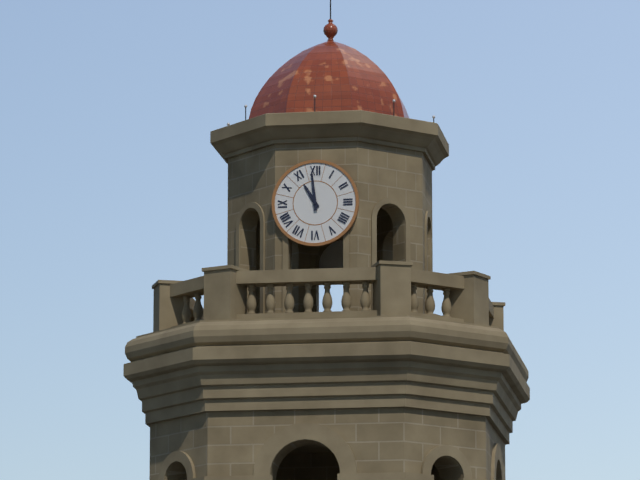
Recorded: 10:59
